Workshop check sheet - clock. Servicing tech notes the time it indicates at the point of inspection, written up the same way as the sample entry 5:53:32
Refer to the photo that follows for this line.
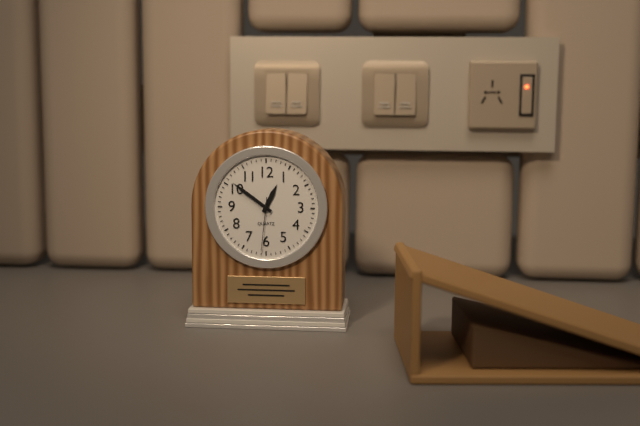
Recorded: 12:51:31
